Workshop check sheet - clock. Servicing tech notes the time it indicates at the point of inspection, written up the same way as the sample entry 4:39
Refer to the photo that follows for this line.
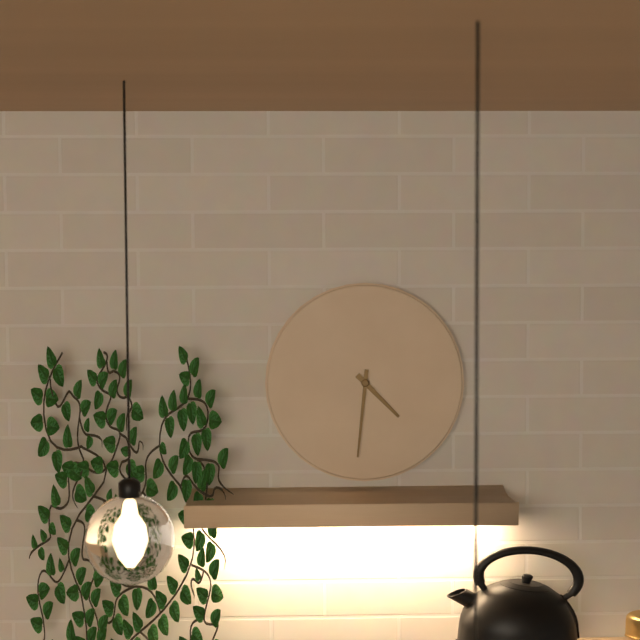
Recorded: 4:31
